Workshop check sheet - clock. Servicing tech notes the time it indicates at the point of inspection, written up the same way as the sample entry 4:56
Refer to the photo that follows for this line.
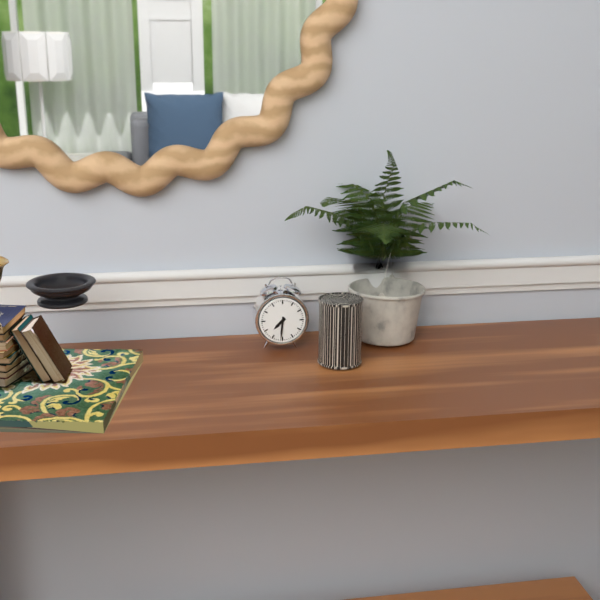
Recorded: 7:31
